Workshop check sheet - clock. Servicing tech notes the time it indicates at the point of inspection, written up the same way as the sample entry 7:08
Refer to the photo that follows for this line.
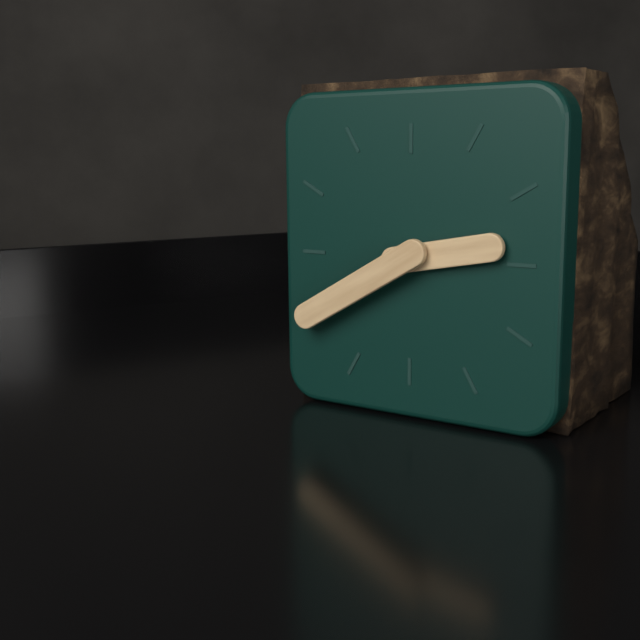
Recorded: 2:40
